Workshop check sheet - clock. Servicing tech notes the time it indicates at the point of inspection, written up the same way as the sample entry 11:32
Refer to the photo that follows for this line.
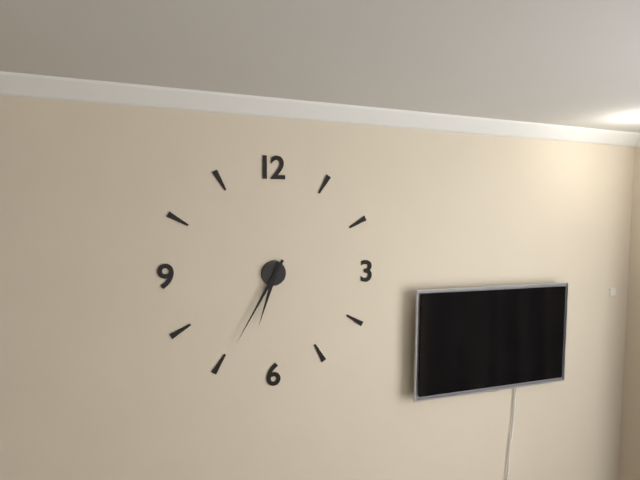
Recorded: 6:35
